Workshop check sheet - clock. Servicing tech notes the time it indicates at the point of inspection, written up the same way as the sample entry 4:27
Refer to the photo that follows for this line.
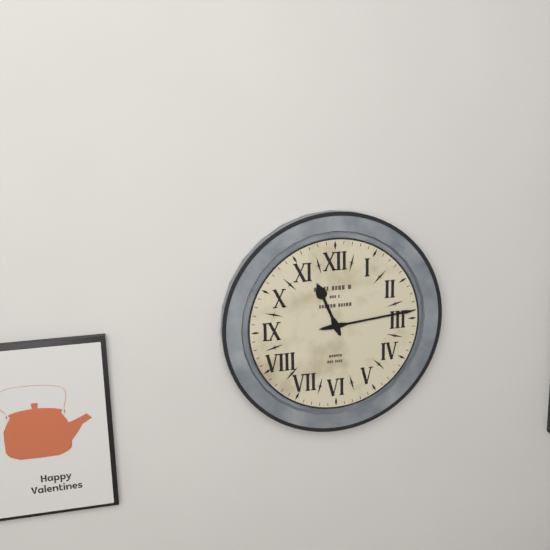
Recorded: 11:14
